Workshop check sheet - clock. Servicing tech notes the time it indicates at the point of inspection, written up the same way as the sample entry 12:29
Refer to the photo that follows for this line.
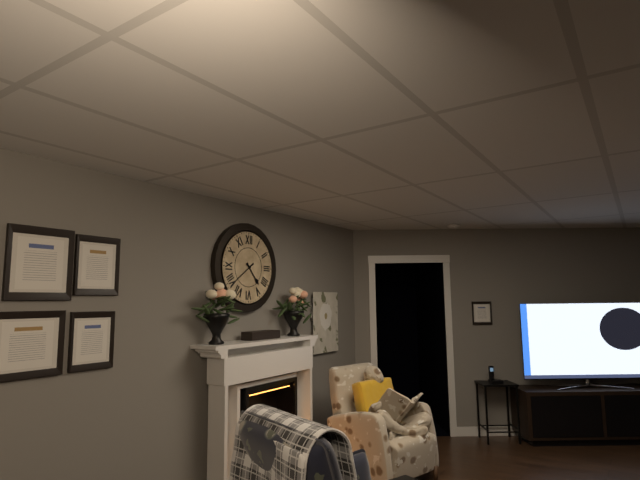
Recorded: 4:39
